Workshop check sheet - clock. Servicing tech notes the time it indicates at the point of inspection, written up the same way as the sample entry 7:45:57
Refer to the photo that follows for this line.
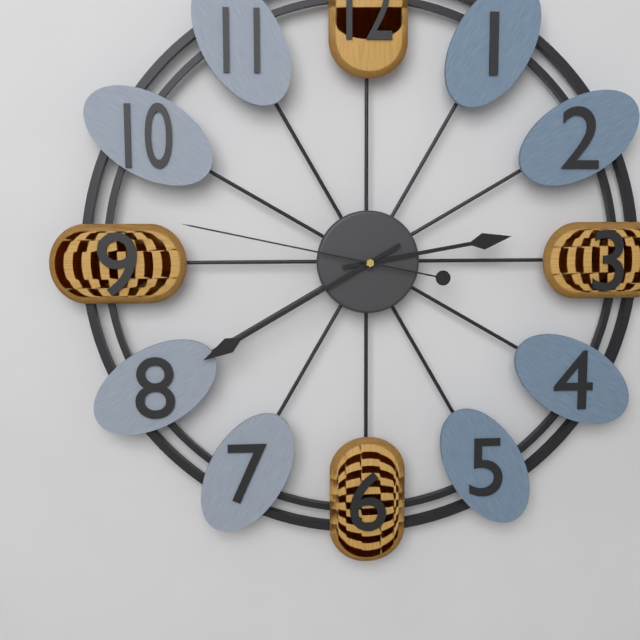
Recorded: 2:40:47
